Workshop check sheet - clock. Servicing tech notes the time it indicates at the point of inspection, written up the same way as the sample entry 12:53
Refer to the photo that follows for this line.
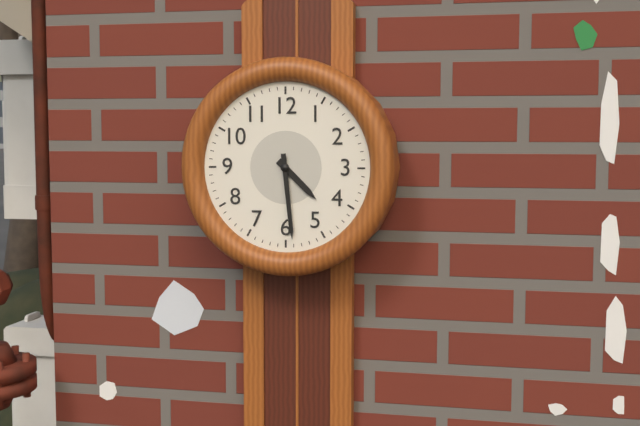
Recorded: 4:29
